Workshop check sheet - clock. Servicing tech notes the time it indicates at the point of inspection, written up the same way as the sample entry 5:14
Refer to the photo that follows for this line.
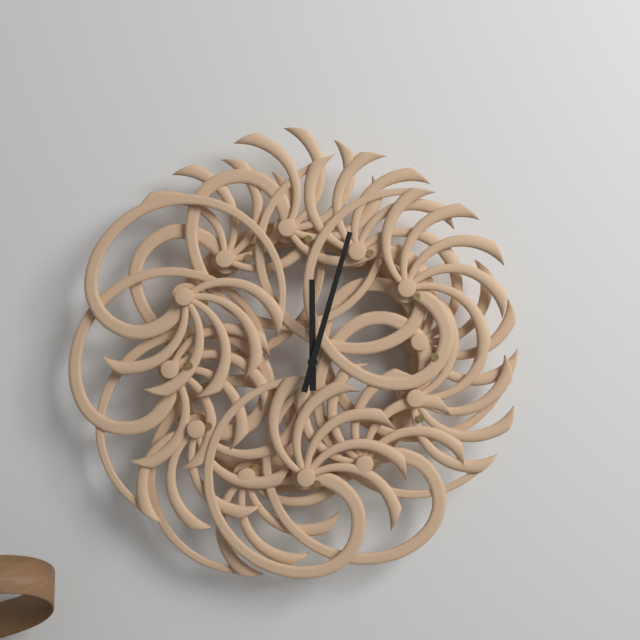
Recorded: 12:03
